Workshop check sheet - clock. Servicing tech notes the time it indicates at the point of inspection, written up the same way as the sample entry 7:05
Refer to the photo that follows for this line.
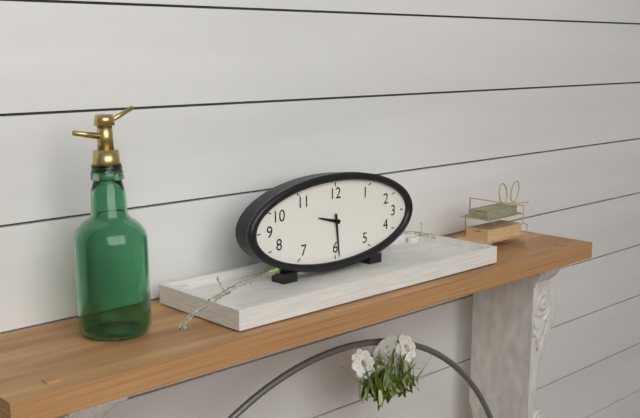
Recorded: 9:29
